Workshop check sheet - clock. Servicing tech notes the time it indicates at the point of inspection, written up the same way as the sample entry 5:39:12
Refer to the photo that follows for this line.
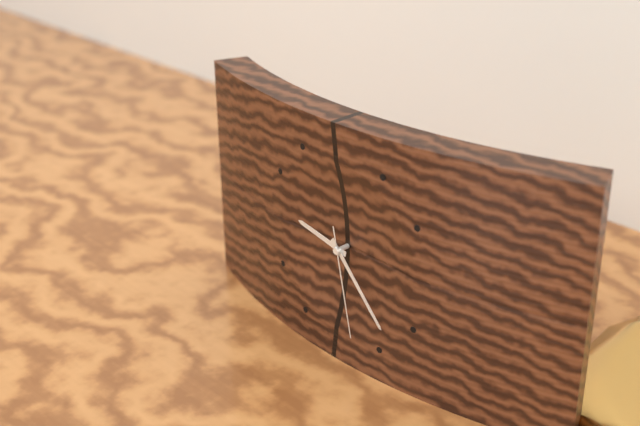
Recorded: 9:23:28
